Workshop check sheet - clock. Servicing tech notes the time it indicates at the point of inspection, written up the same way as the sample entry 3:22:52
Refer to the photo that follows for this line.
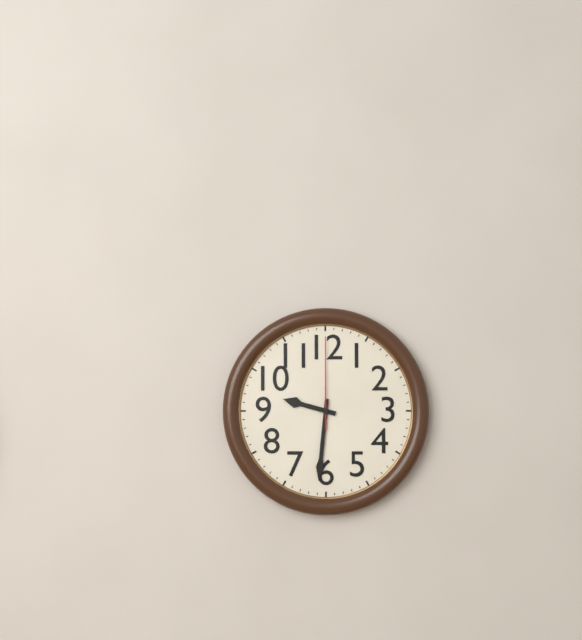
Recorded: 9:31:00
